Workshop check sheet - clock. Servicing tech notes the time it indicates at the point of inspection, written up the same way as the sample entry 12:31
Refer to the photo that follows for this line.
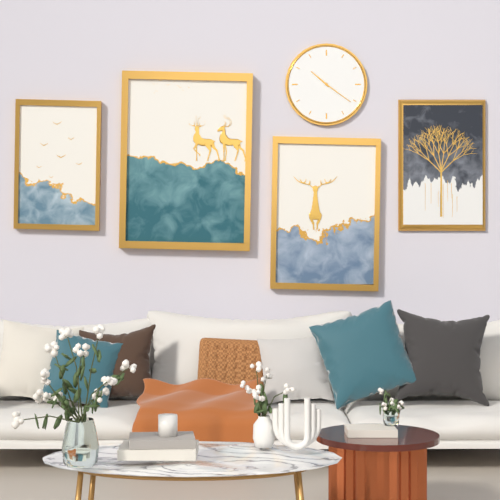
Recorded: 10:21
